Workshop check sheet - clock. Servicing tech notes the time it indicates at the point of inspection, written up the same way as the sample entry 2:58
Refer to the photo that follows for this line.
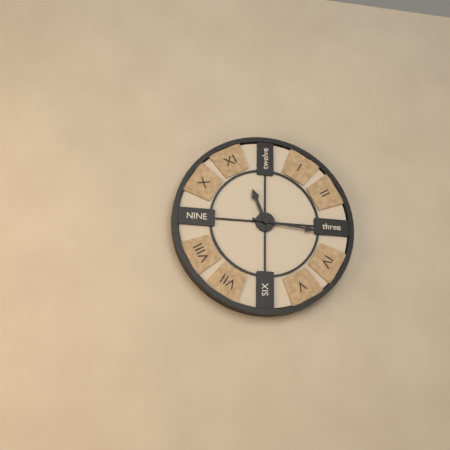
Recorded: 11:16
